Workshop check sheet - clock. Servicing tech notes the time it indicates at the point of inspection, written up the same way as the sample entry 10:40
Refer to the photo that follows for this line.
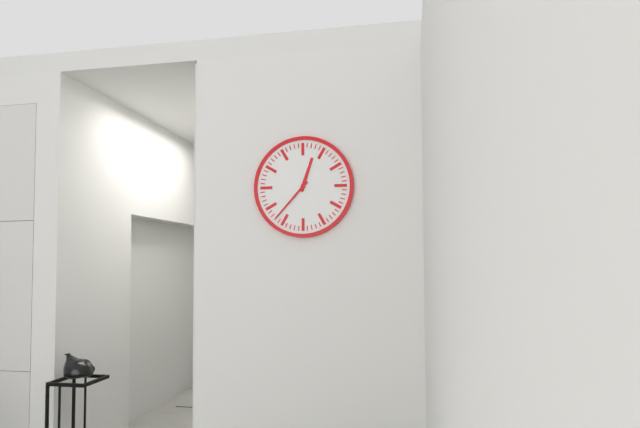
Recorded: 12:37
